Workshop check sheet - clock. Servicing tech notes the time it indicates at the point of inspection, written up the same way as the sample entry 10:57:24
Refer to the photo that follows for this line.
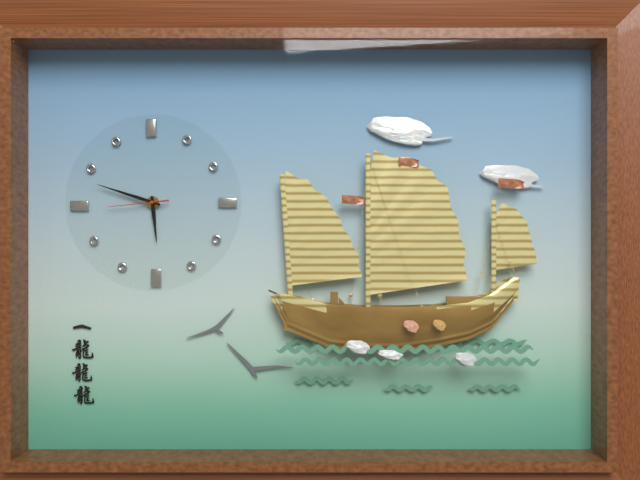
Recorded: 5:48:44
